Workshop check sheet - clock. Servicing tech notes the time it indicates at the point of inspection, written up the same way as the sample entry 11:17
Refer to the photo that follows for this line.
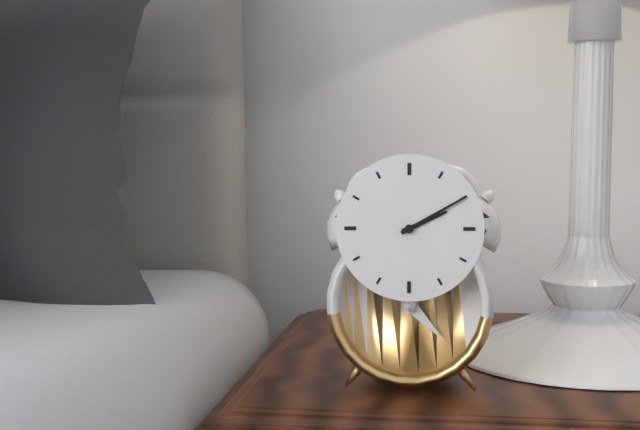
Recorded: 2:10
